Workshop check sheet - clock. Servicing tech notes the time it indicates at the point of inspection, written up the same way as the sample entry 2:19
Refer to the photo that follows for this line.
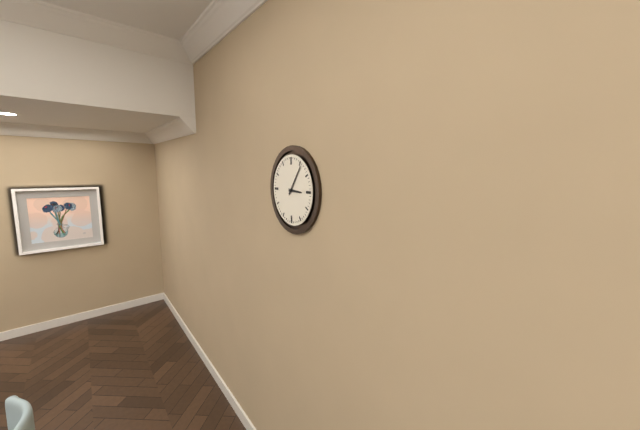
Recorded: 3:06
